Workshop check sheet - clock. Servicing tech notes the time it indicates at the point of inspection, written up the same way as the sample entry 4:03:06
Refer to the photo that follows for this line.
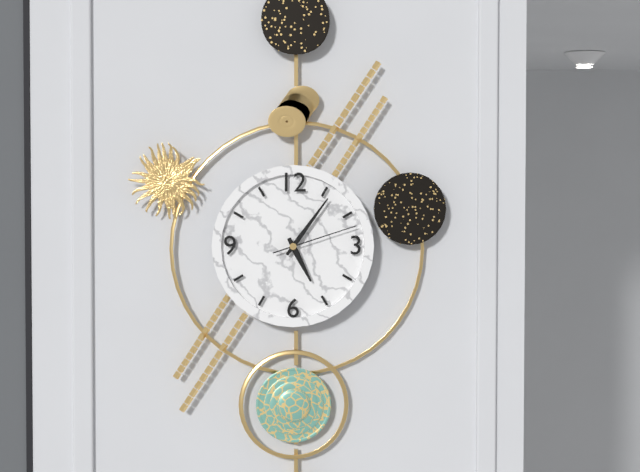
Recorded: 5:06:12
